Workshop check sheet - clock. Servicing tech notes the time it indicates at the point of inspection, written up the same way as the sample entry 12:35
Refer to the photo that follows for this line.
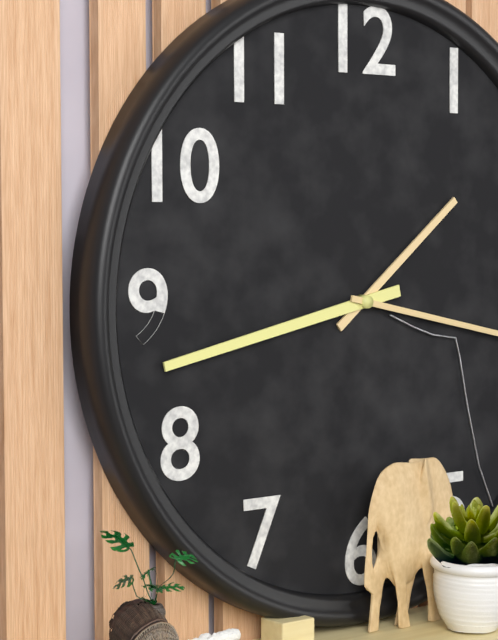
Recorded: 1:43
